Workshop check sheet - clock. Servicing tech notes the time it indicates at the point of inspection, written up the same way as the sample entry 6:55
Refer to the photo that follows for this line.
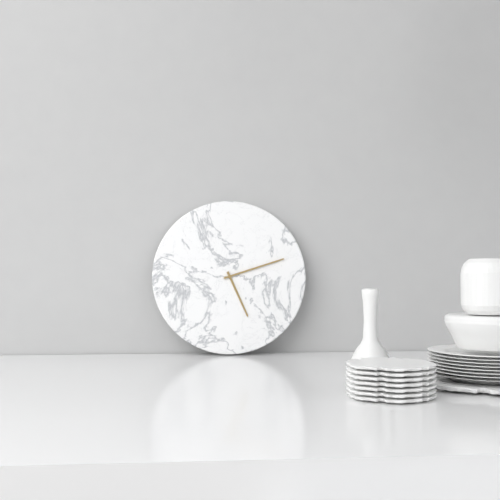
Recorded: 5:12
